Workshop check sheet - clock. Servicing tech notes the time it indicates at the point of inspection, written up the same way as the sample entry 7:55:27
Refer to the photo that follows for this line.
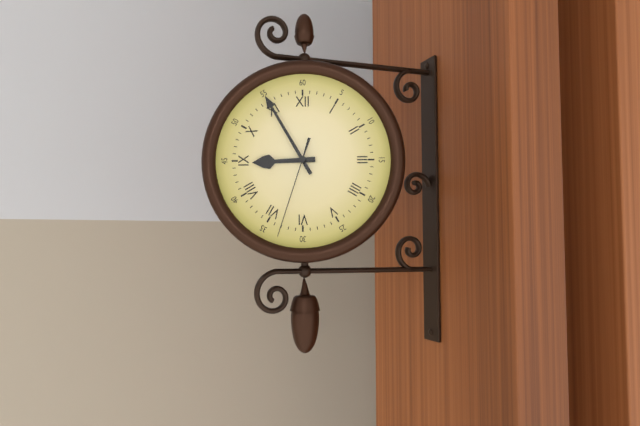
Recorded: 8:55:33
